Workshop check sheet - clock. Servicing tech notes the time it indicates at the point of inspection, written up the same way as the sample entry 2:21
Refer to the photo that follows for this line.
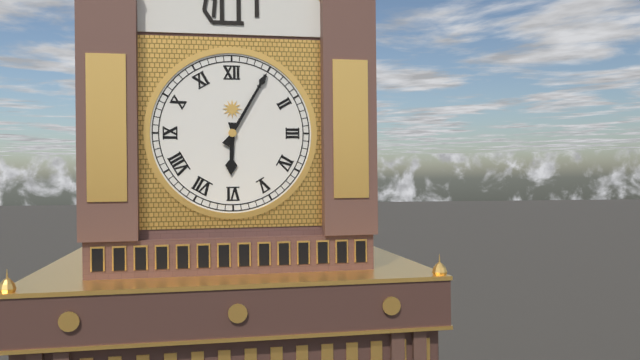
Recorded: 6:05
